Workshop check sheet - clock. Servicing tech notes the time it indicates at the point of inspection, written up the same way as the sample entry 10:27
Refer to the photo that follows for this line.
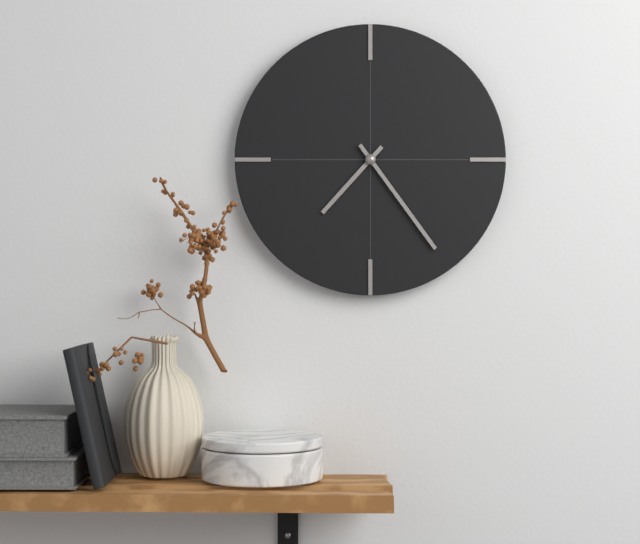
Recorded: 7:24
